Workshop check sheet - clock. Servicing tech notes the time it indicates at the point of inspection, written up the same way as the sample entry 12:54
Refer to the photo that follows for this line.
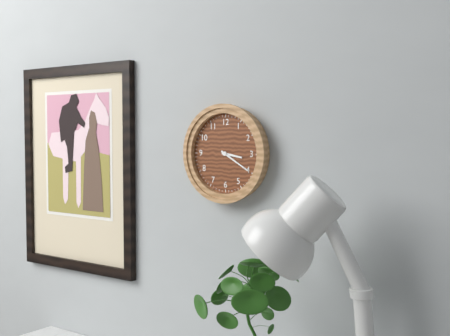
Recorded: 3:20
